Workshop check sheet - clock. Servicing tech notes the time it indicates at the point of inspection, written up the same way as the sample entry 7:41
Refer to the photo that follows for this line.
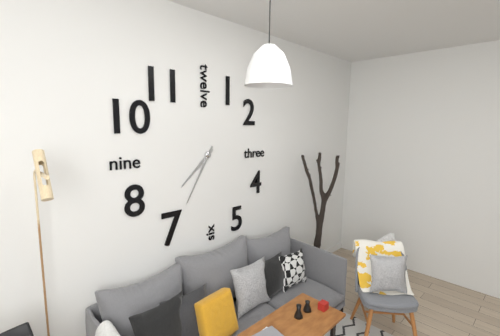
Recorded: 7:35
